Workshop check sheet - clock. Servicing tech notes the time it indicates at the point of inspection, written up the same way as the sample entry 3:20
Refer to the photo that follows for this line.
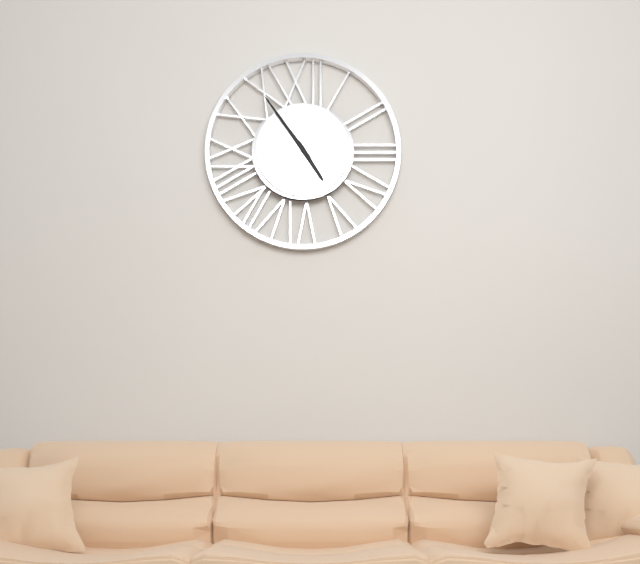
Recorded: 4:54
